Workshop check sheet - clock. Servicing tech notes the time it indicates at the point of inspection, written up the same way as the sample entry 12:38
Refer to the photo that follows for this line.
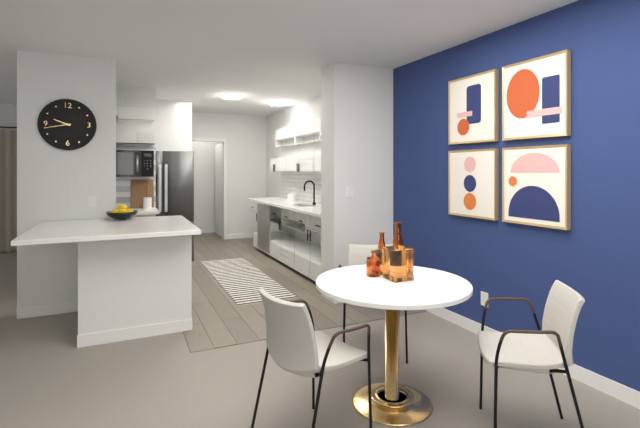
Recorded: 9:43
